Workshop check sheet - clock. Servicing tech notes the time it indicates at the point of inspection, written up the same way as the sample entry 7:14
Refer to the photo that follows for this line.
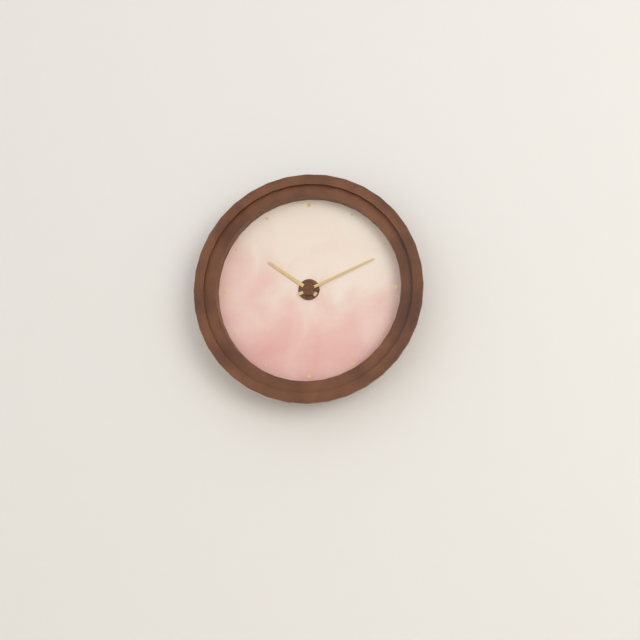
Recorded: 10:11
